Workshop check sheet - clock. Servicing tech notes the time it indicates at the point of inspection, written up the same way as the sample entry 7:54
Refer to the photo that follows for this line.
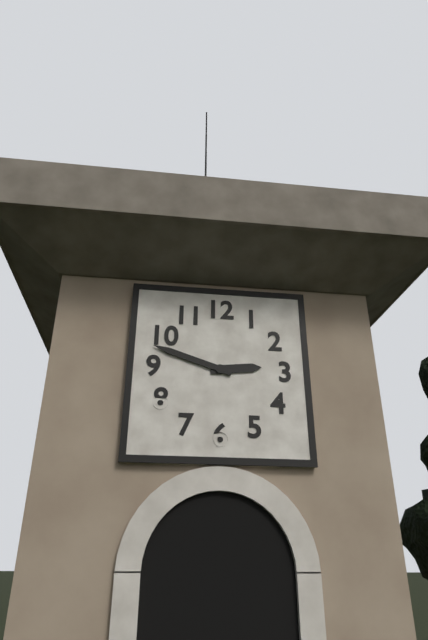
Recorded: 2:48
